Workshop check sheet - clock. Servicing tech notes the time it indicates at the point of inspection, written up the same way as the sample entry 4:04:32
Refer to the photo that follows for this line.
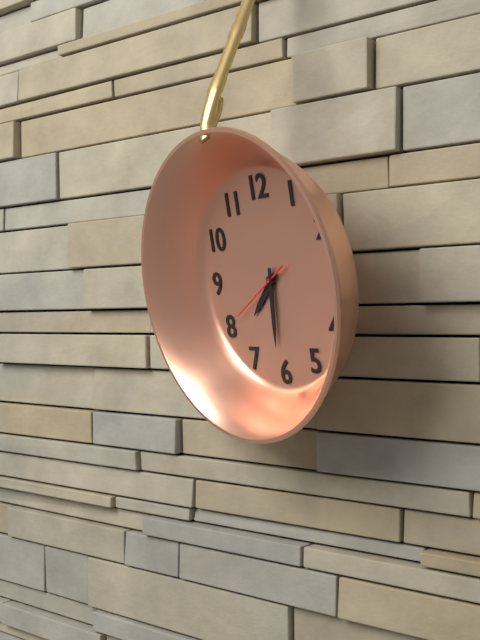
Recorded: 7:31:40
